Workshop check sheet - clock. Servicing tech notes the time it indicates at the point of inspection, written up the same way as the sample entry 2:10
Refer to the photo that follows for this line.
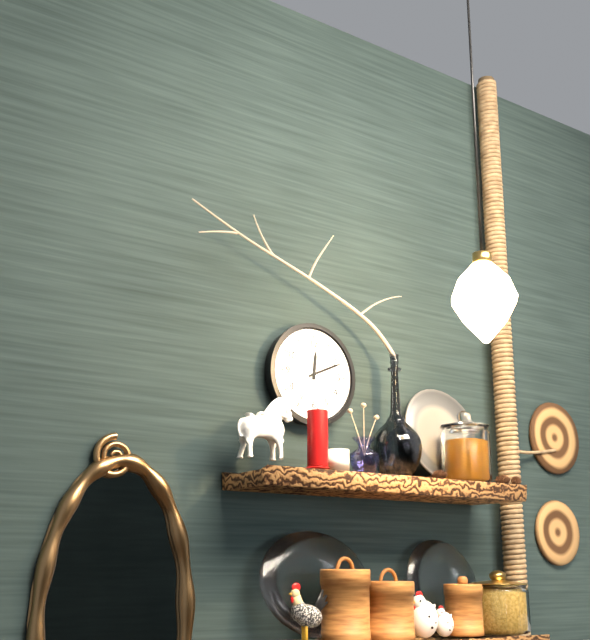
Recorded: 12:11
